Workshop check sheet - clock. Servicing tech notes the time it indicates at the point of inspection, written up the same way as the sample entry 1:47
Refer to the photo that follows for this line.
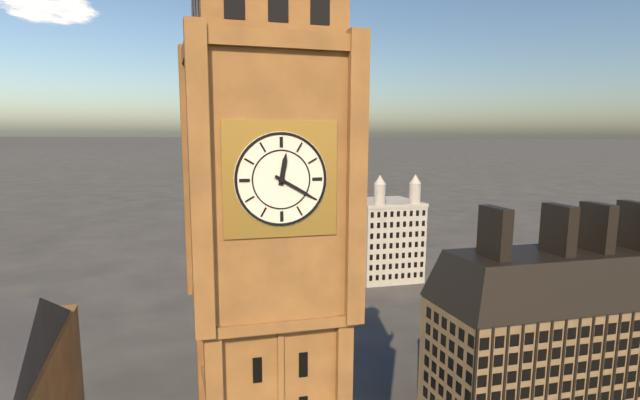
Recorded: 12:20
